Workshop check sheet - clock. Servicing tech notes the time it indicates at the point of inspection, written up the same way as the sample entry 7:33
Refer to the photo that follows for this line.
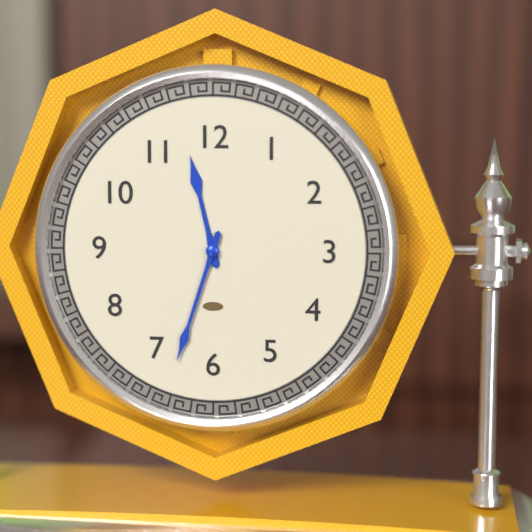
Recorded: 11:33
